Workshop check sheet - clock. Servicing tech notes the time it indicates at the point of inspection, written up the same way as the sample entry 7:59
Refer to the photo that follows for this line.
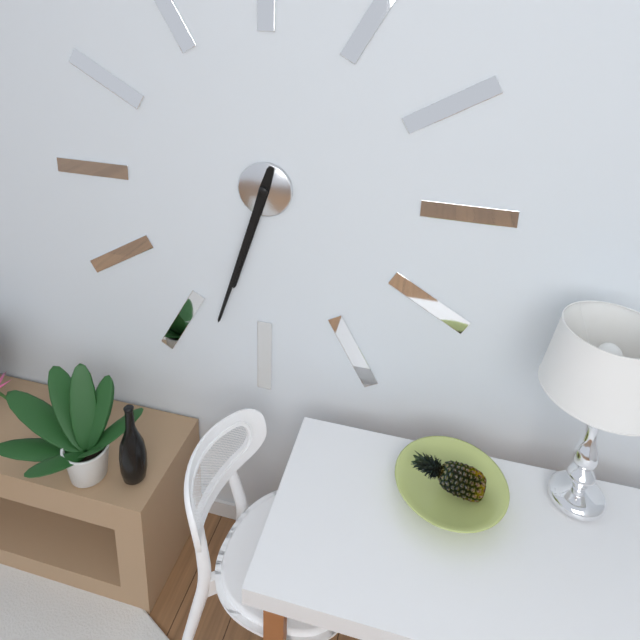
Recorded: 6:33
